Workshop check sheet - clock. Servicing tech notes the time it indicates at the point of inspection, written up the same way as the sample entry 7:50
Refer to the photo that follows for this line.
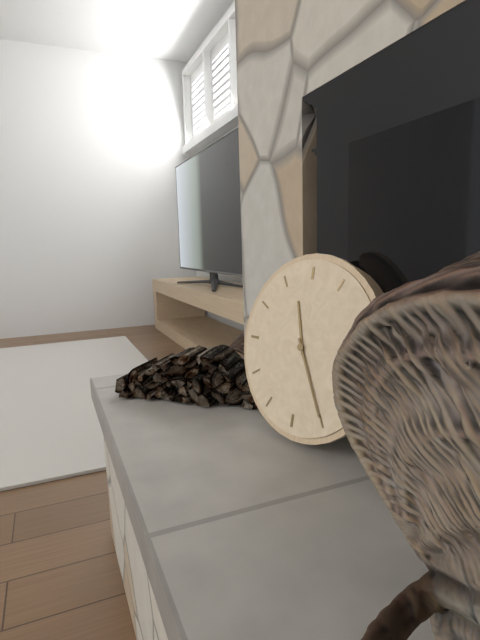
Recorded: 11:25
